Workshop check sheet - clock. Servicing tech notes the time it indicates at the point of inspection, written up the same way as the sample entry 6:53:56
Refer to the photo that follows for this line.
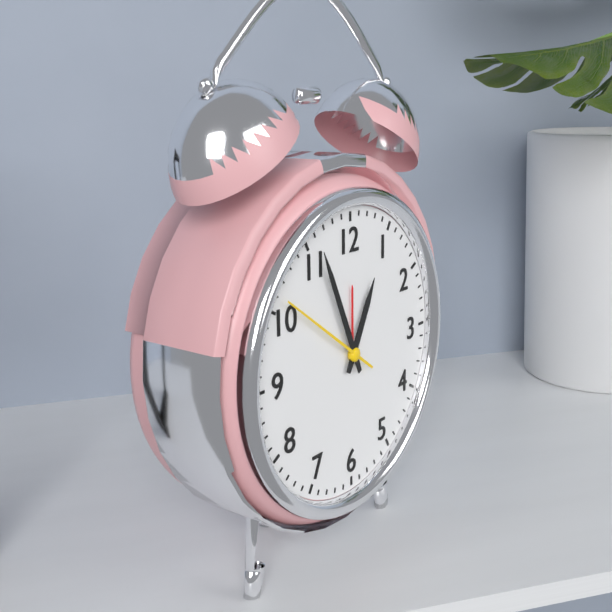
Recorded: 12:56:51
